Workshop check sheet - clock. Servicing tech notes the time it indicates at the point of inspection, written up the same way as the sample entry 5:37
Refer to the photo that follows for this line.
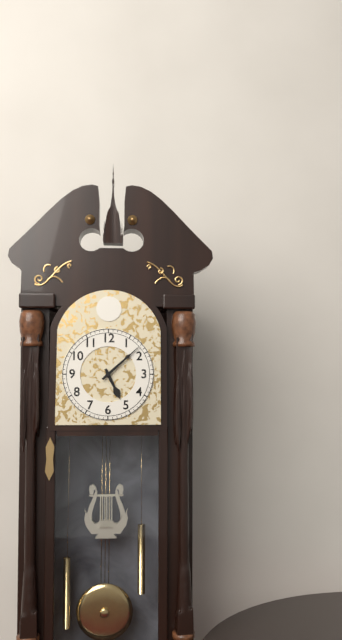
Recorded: 5:08
